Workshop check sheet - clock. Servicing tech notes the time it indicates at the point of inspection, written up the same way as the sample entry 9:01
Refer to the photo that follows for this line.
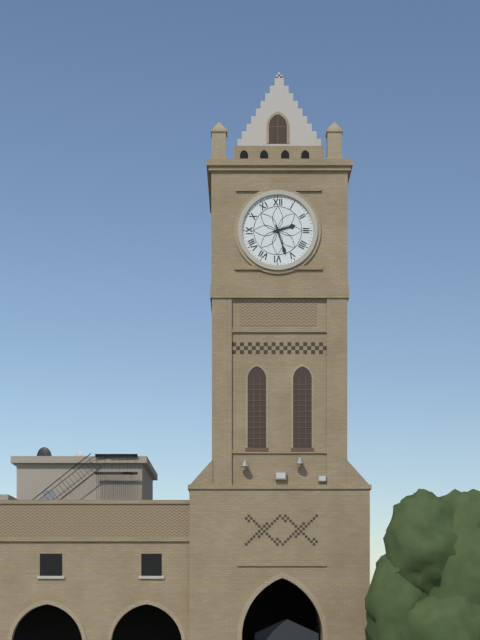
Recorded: 2:27
